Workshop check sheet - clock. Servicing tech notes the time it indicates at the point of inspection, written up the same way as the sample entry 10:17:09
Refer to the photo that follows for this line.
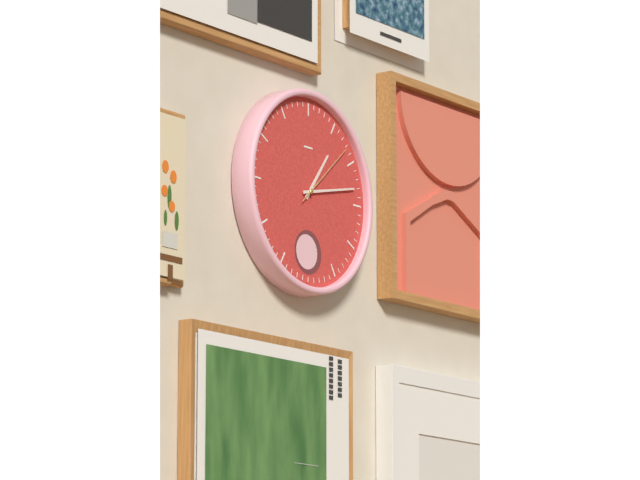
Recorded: 1:13:08
